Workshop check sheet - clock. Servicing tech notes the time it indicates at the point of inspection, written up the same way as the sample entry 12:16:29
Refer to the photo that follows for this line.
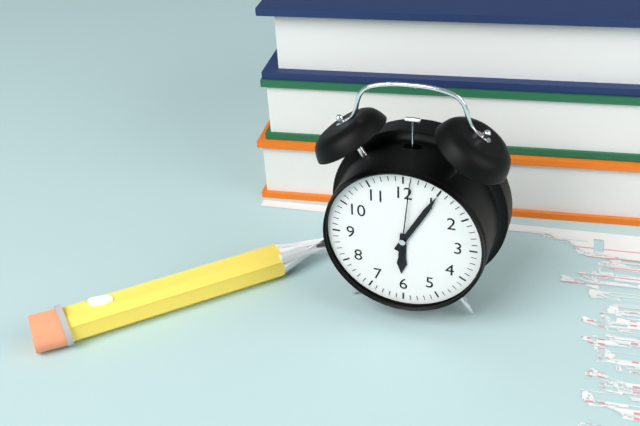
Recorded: 6:05:01
